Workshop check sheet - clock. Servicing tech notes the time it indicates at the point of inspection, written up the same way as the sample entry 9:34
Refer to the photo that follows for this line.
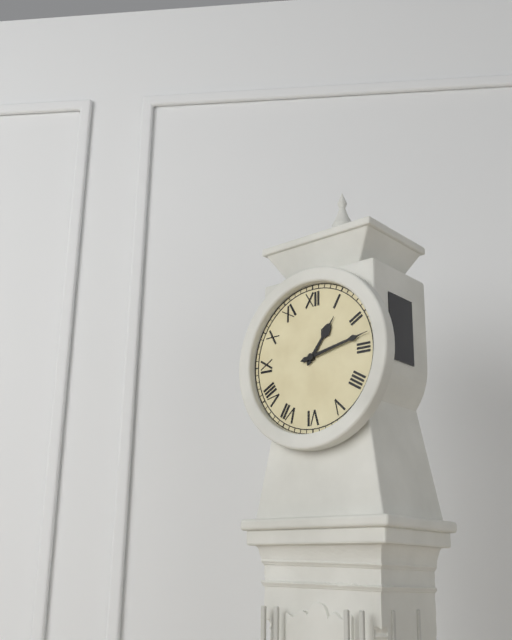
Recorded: 1:13
